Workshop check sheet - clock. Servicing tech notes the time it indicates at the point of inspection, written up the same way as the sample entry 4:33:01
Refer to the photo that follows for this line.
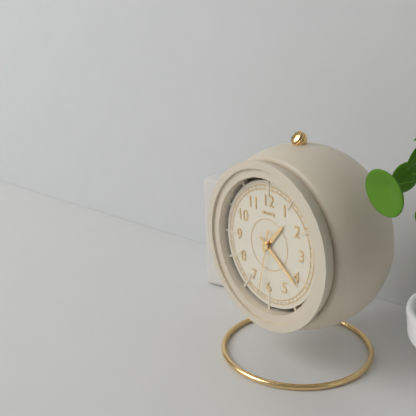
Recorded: 1:21:32
